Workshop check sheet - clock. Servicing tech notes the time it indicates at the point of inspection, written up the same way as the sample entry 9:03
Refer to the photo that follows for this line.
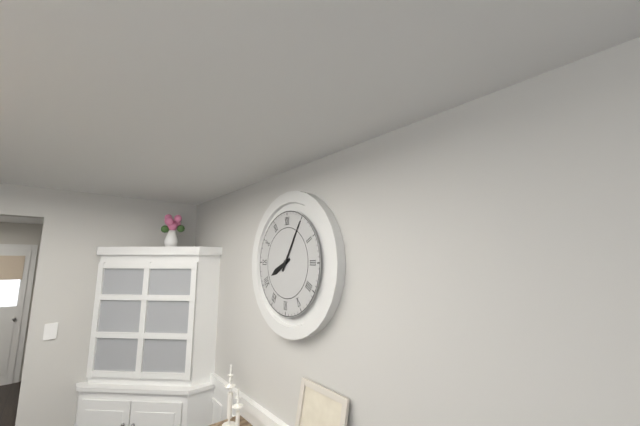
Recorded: 8:05
